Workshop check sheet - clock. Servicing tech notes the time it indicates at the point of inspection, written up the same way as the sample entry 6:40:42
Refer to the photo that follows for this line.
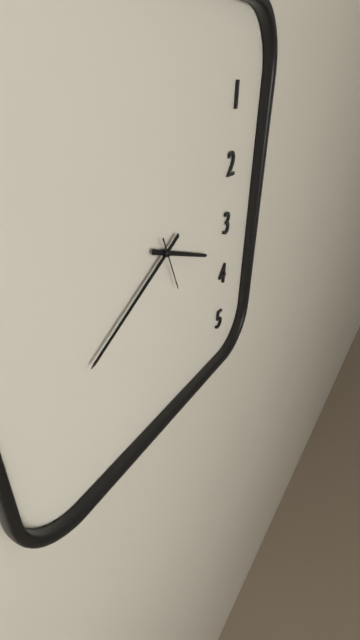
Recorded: 3:40:26
